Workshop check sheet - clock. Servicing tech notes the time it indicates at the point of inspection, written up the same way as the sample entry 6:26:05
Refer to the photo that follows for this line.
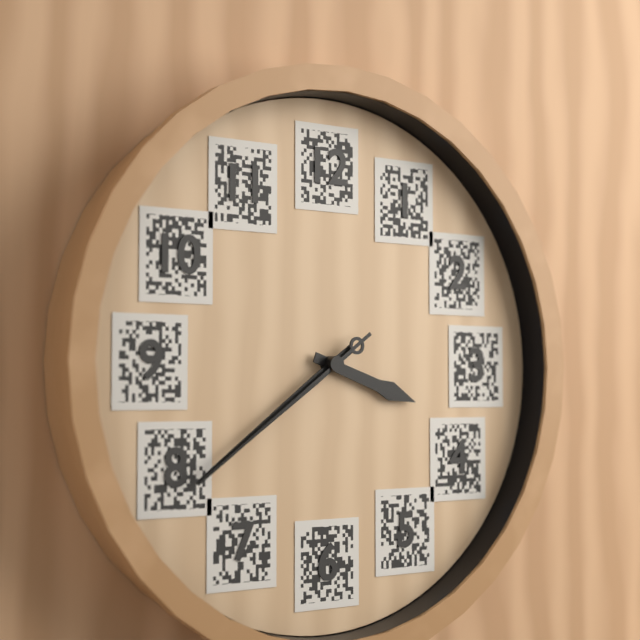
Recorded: 3:39:39
